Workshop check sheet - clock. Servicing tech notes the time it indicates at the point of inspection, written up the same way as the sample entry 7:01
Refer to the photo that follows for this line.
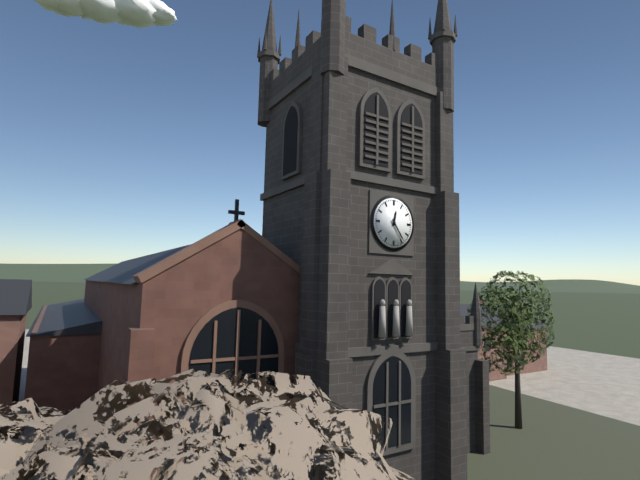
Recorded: 12:24
